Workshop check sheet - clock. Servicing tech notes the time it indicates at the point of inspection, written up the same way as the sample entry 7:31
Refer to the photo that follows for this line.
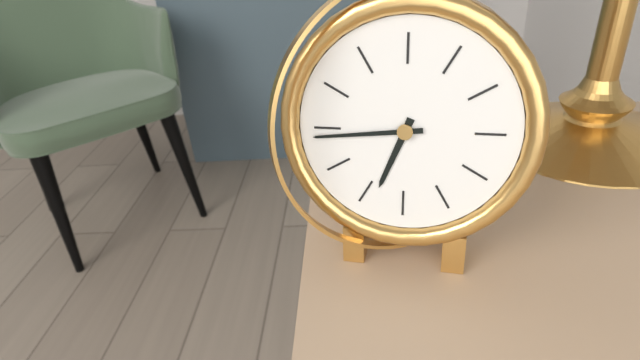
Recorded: 6:44
